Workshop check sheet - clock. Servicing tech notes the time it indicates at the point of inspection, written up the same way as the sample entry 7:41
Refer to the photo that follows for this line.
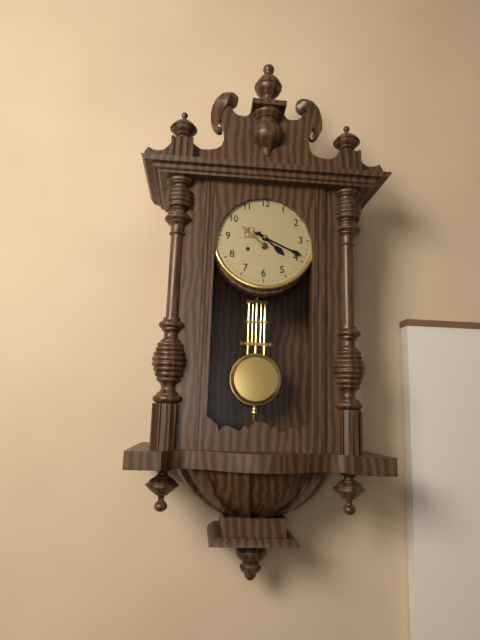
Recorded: 4:19
